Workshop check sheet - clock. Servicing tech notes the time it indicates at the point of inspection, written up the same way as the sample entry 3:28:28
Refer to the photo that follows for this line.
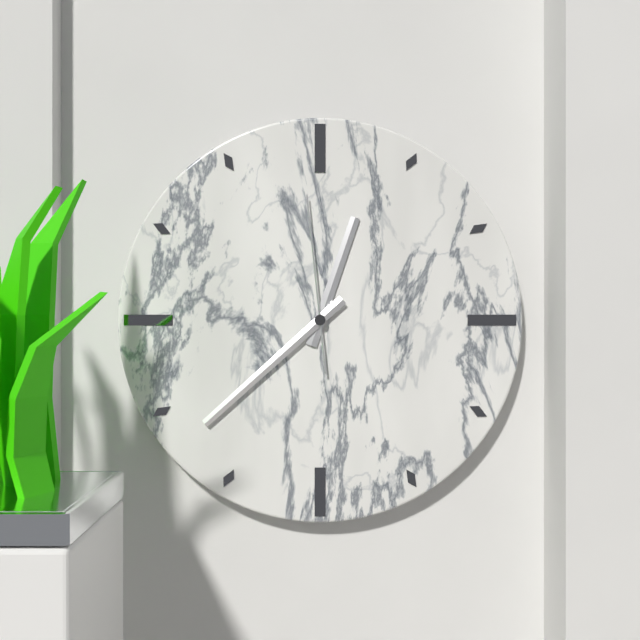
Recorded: 12:38:59
